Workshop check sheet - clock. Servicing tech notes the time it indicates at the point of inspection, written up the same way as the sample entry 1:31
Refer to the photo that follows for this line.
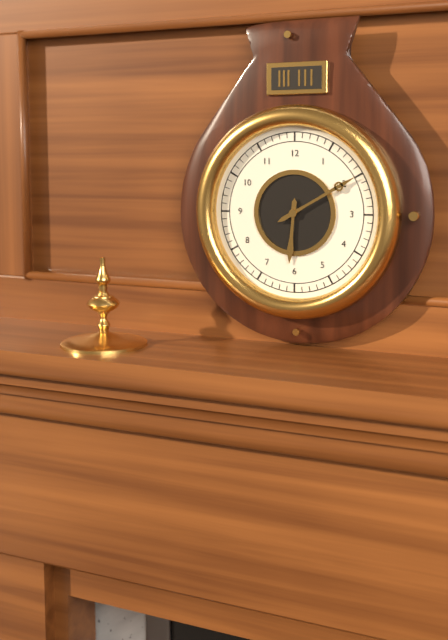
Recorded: 6:10
